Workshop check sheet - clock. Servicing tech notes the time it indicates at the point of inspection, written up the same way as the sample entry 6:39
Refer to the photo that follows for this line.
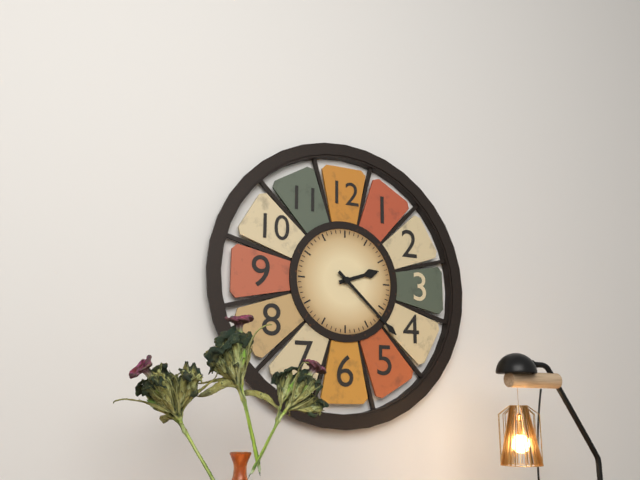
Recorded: 2:22
